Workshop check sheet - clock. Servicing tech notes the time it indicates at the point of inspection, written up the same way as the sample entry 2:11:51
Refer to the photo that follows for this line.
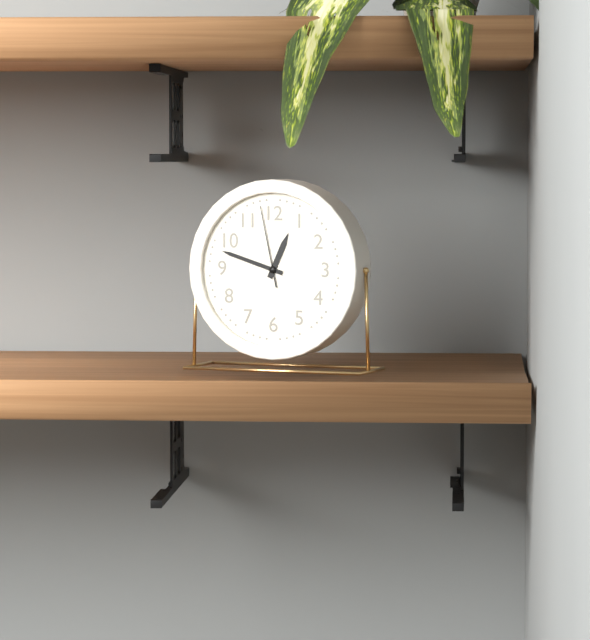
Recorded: 12:48:58
